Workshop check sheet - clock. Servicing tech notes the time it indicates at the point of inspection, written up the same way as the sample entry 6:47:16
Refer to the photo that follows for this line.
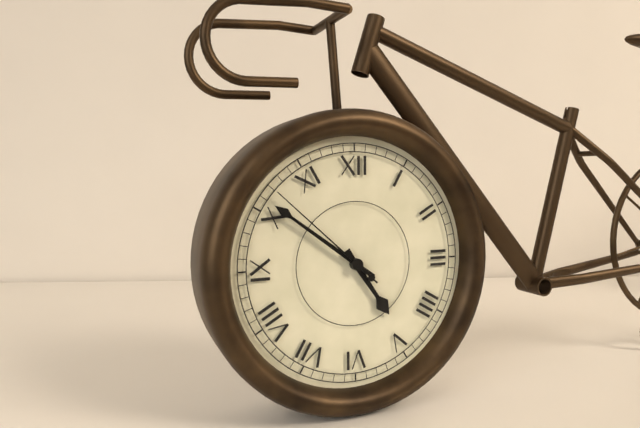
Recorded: 4:51:52
